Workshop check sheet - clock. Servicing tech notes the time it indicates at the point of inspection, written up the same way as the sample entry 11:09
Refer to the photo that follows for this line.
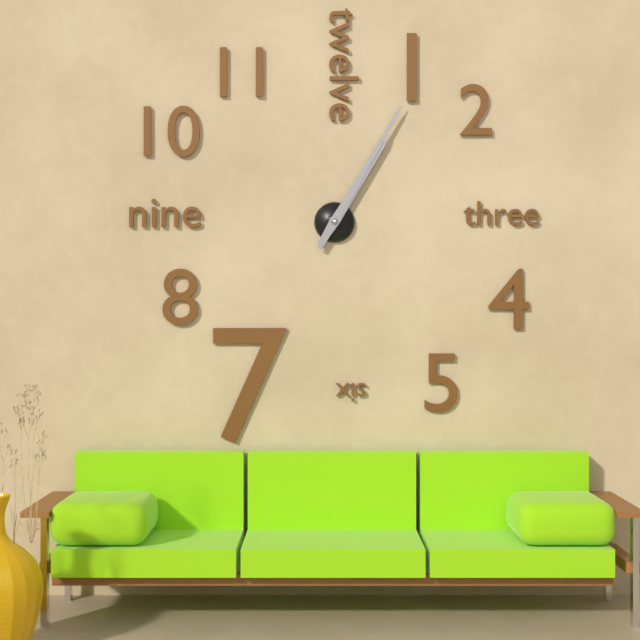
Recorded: 1:05
